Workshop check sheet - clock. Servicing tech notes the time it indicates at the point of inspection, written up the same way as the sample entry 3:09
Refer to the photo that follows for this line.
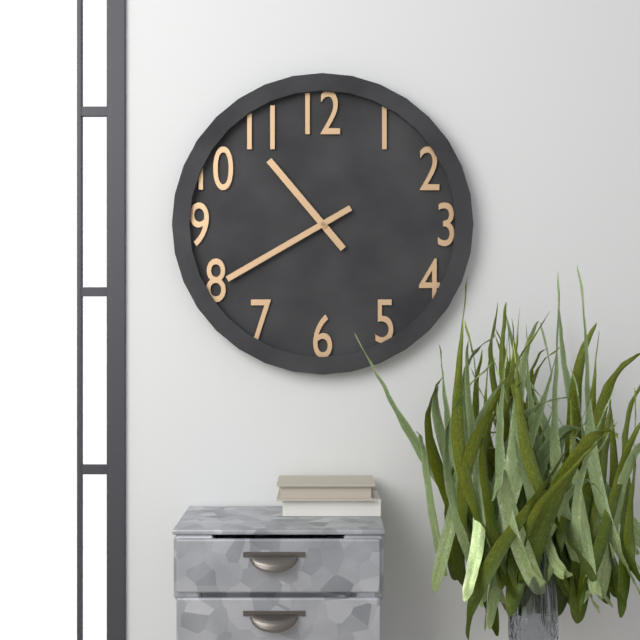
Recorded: 10:40
